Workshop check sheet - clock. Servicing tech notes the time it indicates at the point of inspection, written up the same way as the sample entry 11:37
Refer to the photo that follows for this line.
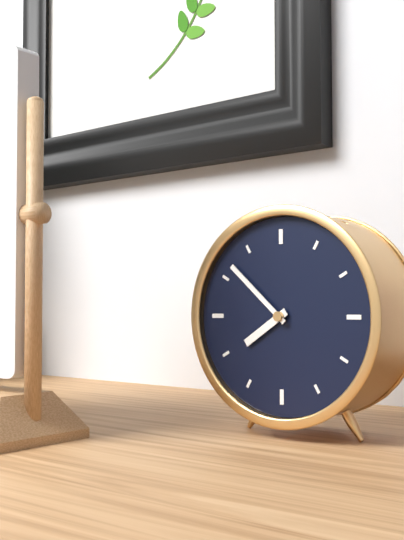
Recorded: 7:52
